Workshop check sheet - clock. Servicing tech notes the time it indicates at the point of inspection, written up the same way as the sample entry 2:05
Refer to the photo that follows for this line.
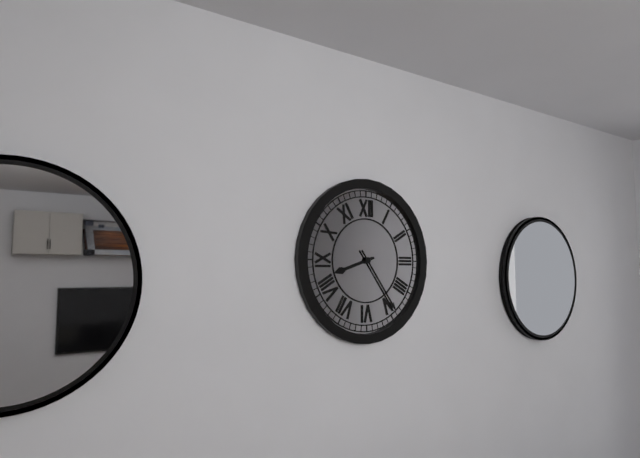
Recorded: 8:24
